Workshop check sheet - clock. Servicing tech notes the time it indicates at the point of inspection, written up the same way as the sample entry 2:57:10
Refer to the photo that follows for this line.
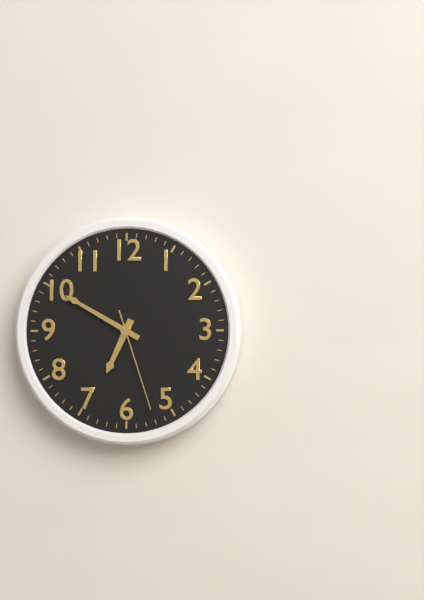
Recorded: 6:50:27
